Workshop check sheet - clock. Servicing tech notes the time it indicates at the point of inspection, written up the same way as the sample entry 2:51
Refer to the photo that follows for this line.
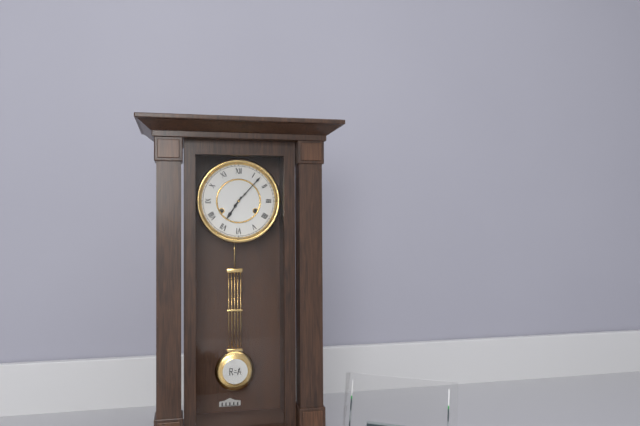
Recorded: 7:07
